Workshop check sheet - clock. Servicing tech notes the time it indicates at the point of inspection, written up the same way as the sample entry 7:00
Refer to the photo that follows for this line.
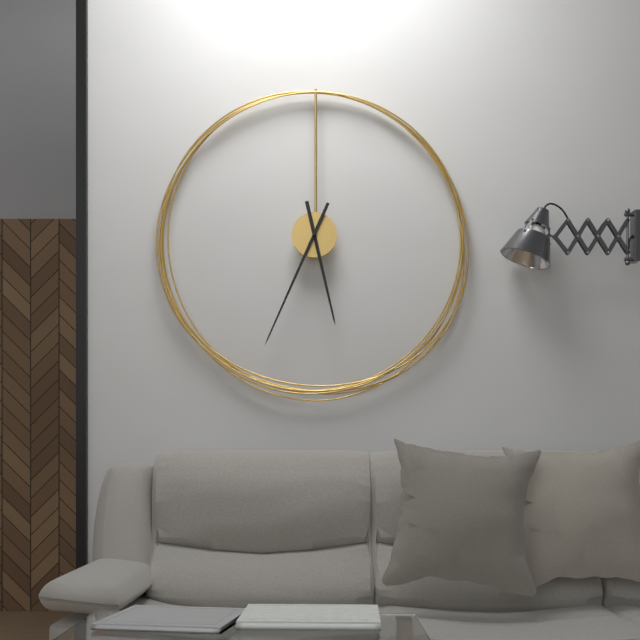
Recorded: 5:34
